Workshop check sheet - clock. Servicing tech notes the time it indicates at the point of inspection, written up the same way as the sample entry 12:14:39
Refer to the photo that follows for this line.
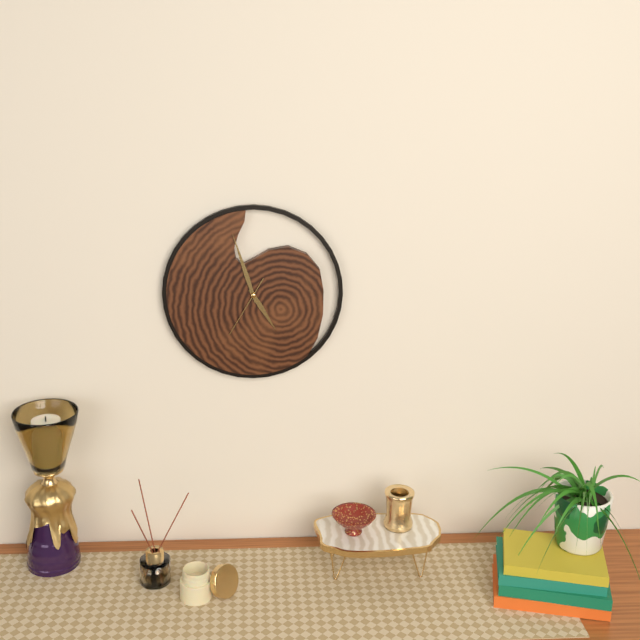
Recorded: 4:57:35
